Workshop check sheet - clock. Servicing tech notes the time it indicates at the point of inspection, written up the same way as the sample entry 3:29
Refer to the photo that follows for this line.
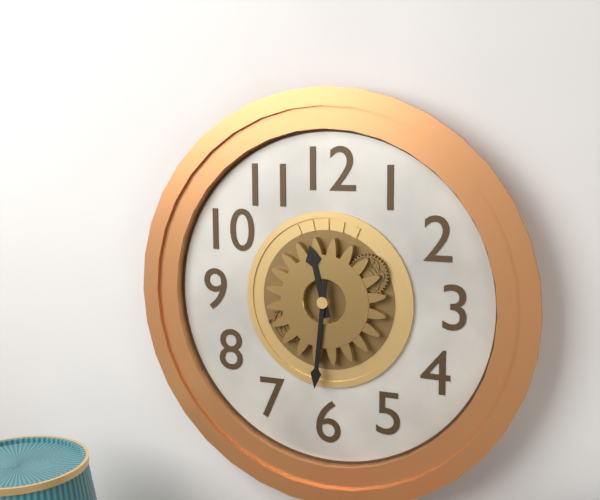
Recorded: 11:31
